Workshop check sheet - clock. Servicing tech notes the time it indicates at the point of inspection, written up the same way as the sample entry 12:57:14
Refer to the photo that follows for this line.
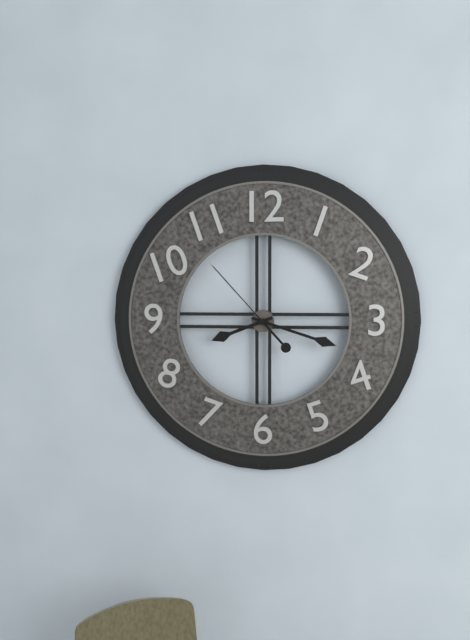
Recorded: 8:18:53
